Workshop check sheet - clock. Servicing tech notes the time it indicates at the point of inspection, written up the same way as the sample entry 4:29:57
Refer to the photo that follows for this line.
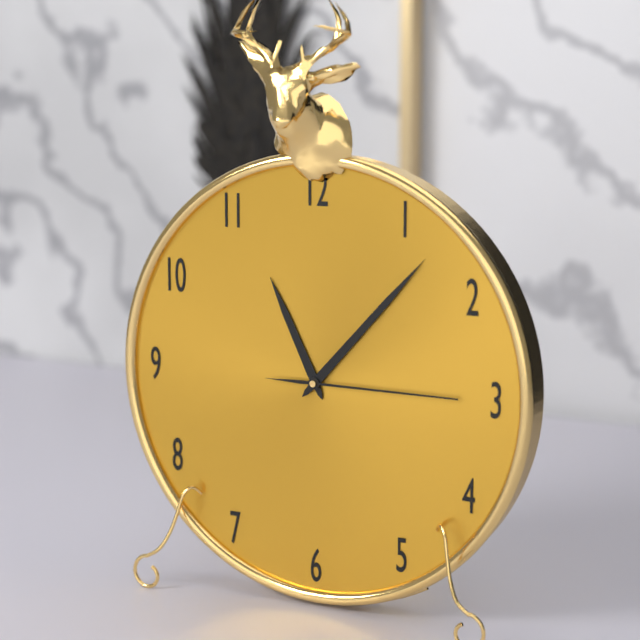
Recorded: 11:07:15
